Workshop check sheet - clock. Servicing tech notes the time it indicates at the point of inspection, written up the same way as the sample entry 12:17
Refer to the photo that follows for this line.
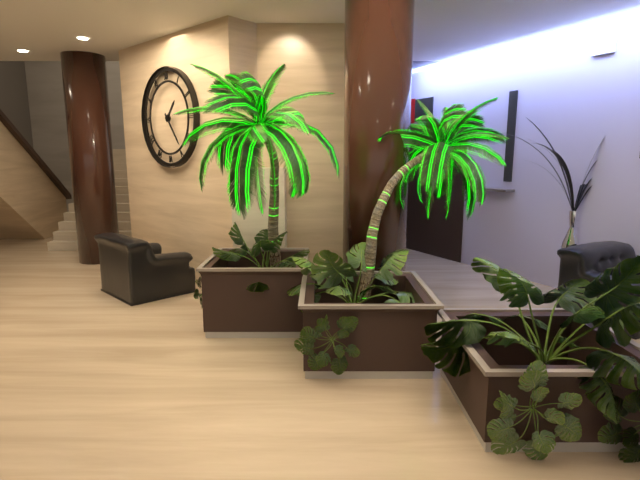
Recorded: 1:24
